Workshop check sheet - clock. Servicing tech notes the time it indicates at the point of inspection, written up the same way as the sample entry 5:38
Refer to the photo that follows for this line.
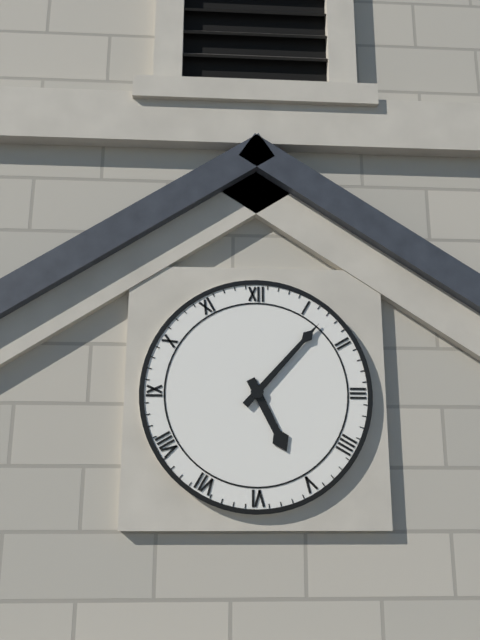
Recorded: 5:07
